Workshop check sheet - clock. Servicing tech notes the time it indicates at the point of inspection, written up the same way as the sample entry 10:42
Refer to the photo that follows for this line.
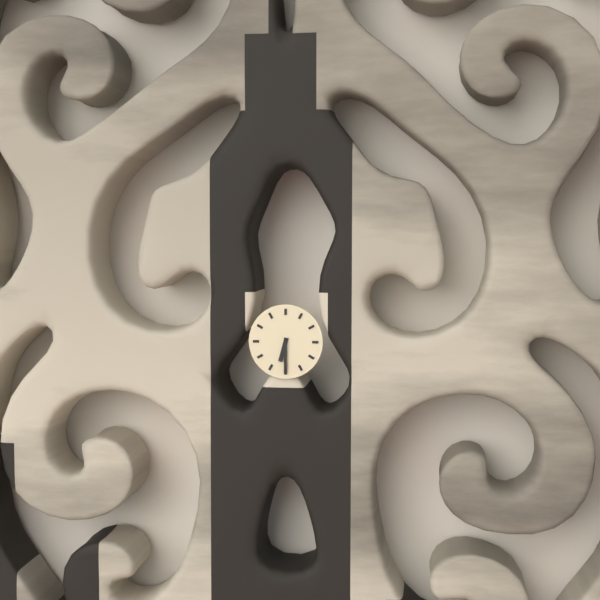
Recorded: 6:30
